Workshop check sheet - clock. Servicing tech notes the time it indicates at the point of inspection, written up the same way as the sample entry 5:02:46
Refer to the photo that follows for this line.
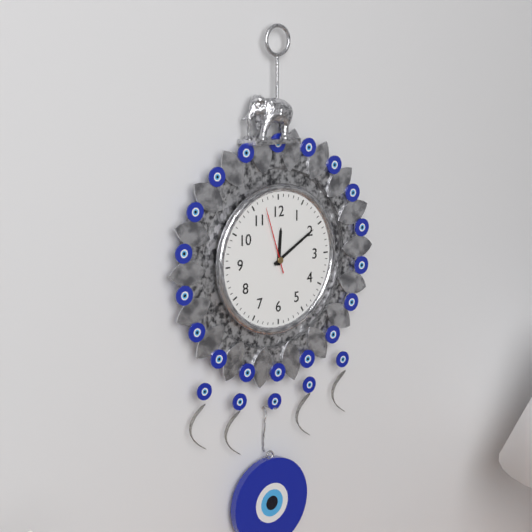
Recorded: 12:10:57
